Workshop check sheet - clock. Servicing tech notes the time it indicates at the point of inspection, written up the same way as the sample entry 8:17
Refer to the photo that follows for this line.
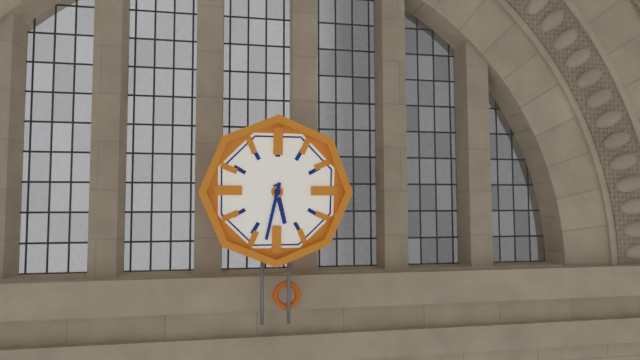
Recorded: 5:32
